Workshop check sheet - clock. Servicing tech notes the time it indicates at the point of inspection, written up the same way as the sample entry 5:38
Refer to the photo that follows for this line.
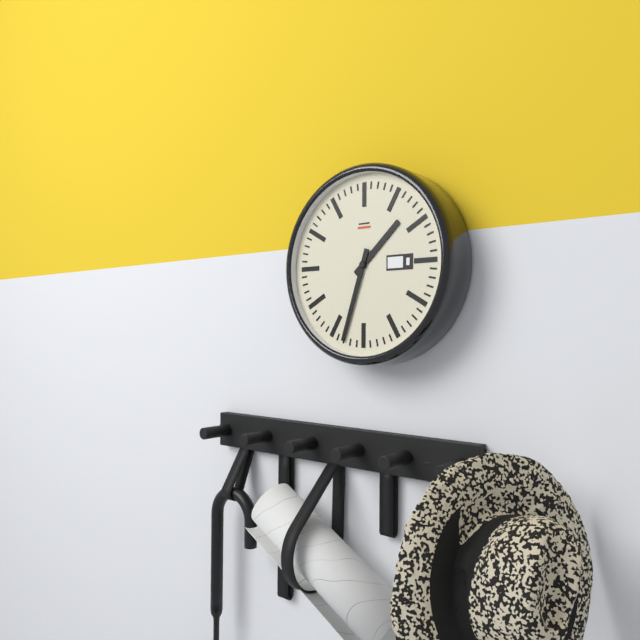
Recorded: 1:33
